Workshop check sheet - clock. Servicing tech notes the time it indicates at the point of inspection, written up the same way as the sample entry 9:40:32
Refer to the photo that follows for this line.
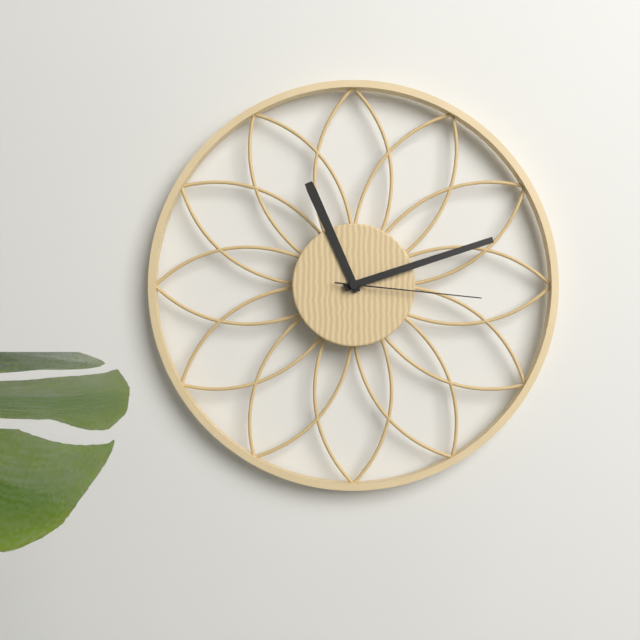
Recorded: 11:12:16
